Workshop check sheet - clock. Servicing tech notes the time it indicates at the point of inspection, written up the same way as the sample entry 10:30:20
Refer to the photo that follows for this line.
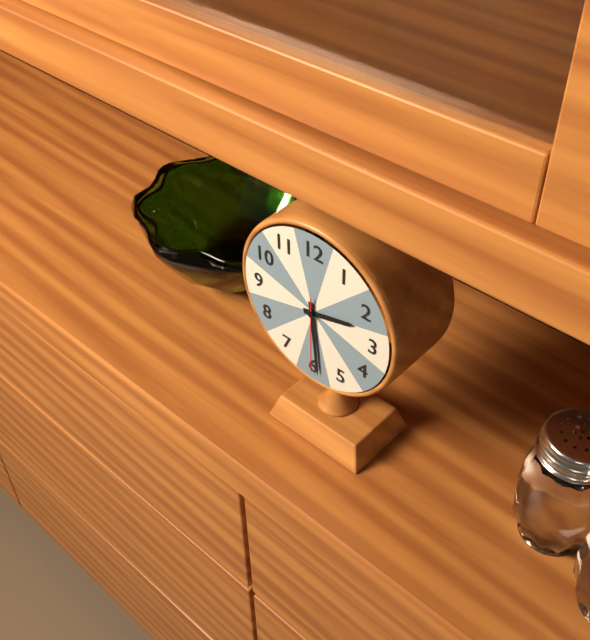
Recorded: 2:29:30
